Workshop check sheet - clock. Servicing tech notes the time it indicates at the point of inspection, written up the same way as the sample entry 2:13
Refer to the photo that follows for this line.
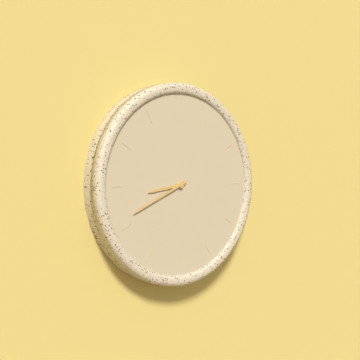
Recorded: 8:41
